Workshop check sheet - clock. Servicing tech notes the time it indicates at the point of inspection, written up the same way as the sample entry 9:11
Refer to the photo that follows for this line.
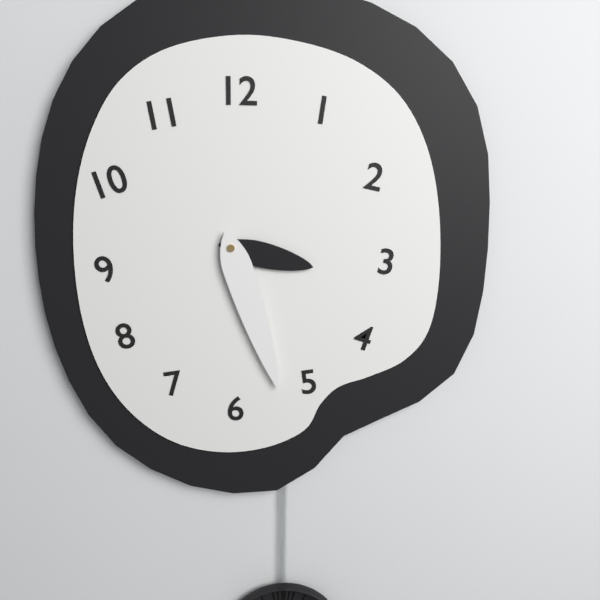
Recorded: 3:27
